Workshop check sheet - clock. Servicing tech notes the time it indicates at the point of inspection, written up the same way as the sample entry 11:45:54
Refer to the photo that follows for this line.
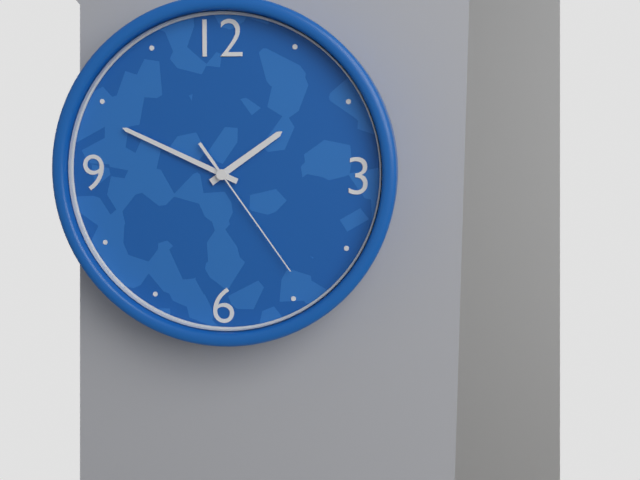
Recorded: 1:49:24
